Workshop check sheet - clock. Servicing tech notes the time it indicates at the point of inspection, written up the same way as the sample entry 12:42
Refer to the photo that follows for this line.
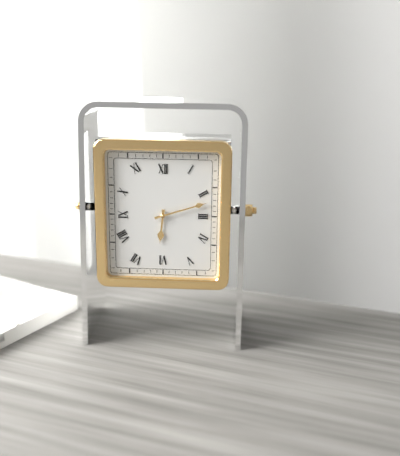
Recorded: 6:12
